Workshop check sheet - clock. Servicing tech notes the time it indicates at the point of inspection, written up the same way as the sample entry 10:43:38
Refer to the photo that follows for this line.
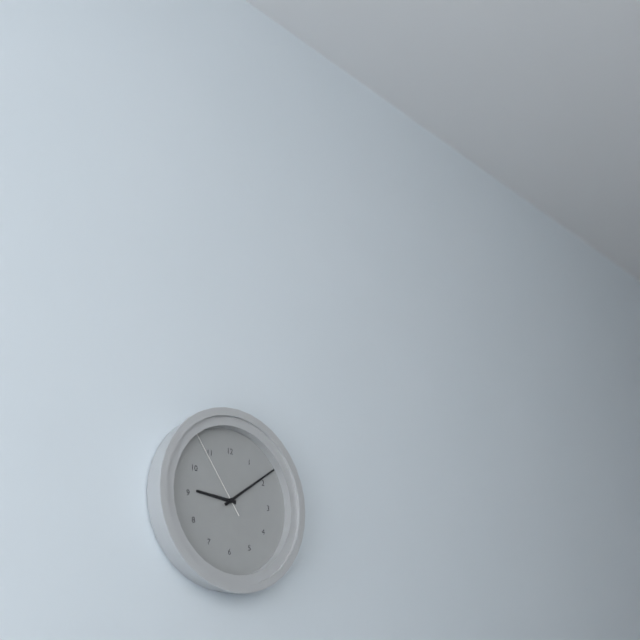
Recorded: 9:09:54
